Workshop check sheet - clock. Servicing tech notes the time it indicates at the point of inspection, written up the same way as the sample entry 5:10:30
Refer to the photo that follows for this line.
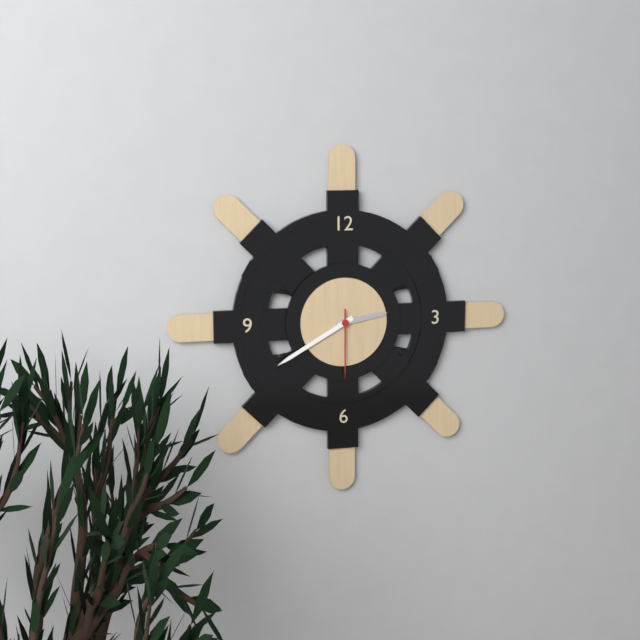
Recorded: 2:40:30
